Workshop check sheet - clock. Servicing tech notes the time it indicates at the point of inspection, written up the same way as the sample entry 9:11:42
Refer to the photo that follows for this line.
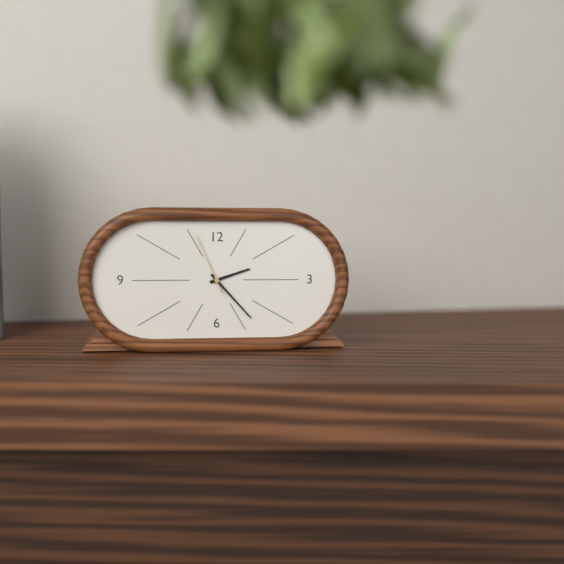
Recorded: 2:23:56
